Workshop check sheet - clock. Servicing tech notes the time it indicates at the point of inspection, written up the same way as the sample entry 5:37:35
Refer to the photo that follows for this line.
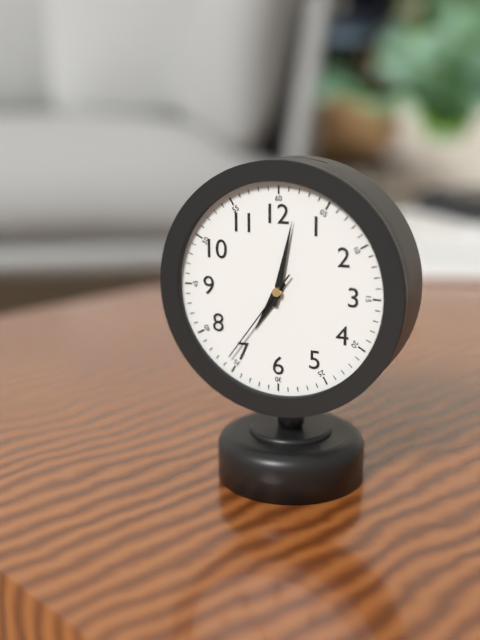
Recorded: 7:02:36
